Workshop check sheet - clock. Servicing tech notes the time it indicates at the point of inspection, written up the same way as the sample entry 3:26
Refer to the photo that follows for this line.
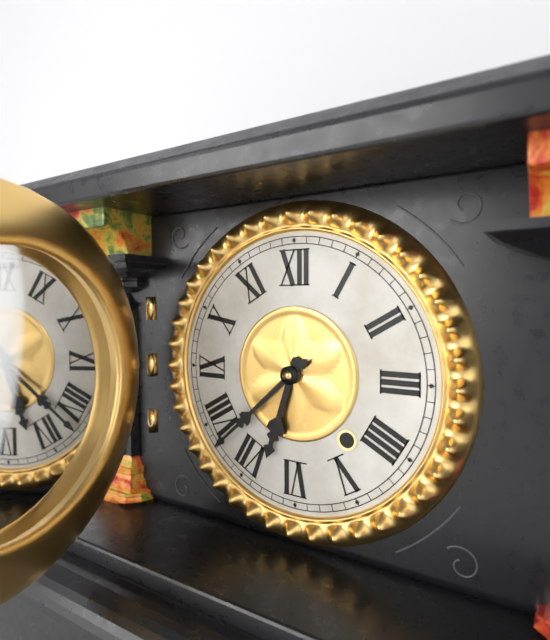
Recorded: 6:38
